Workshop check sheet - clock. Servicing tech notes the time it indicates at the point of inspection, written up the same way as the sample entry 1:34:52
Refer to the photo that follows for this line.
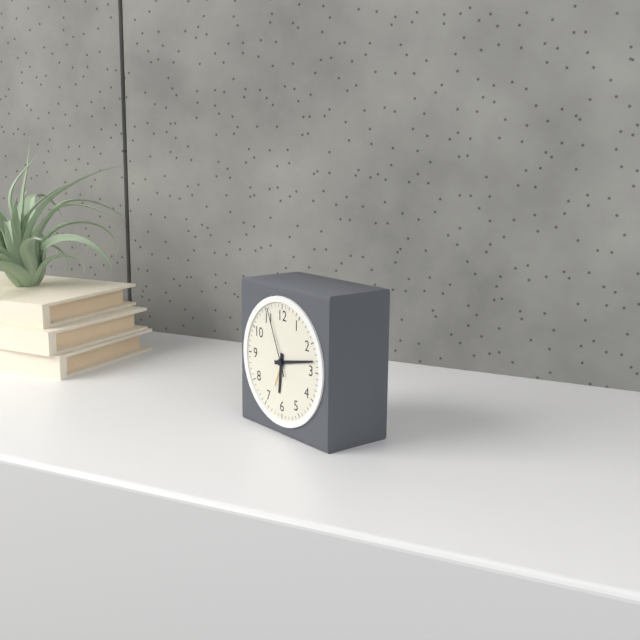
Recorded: 6:13:56
